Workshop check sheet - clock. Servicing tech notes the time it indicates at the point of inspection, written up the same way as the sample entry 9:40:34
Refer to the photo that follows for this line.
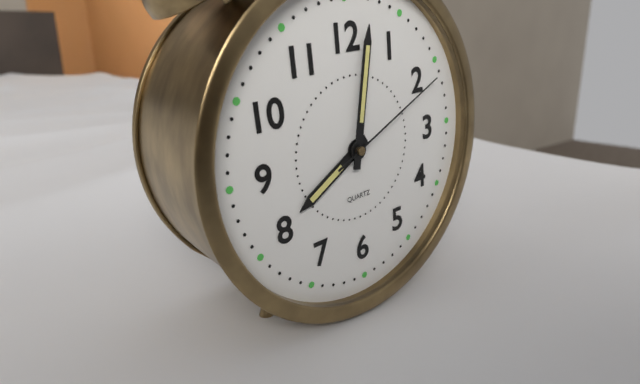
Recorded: 8:02:11
